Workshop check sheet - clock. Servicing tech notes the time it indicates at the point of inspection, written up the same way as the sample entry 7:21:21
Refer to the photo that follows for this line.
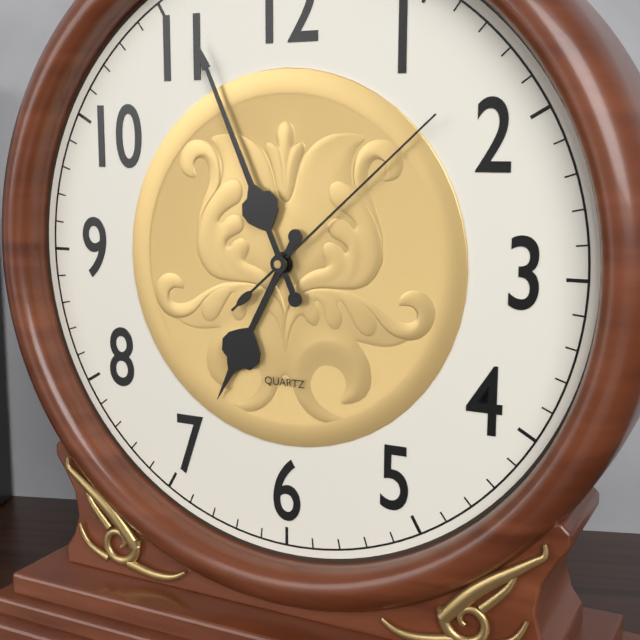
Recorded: 6:56:08
